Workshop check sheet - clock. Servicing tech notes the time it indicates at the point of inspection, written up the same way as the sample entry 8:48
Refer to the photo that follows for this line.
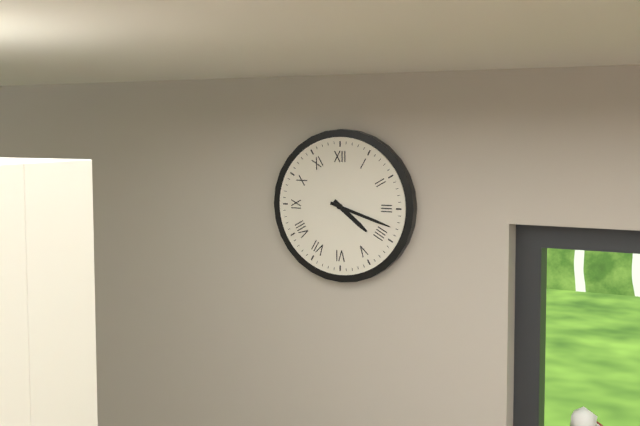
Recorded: 4:18
